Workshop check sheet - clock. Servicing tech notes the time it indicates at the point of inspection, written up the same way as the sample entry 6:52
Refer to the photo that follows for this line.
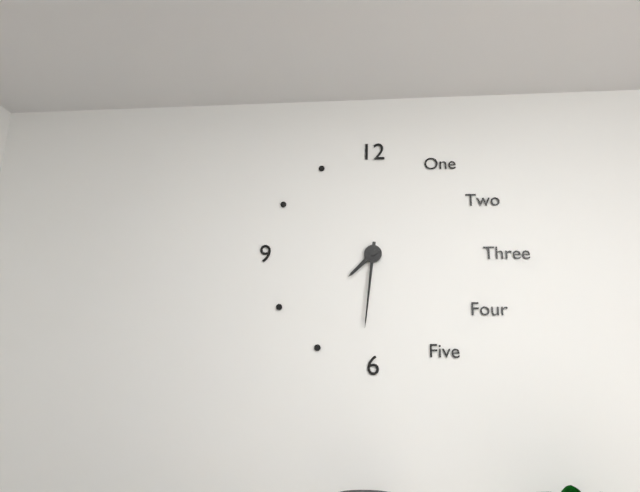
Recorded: 7:31
